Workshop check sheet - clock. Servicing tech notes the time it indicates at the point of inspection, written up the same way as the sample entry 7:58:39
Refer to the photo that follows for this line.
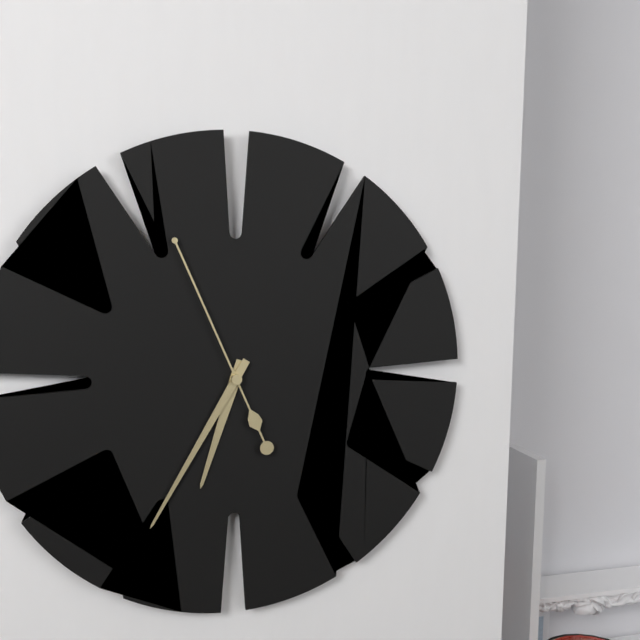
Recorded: 6:35:56
